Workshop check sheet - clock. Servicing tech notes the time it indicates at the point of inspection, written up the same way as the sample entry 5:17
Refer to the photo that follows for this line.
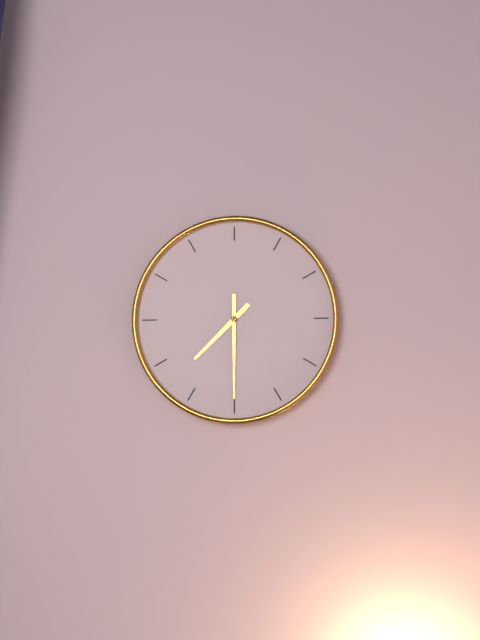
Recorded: 7:30
